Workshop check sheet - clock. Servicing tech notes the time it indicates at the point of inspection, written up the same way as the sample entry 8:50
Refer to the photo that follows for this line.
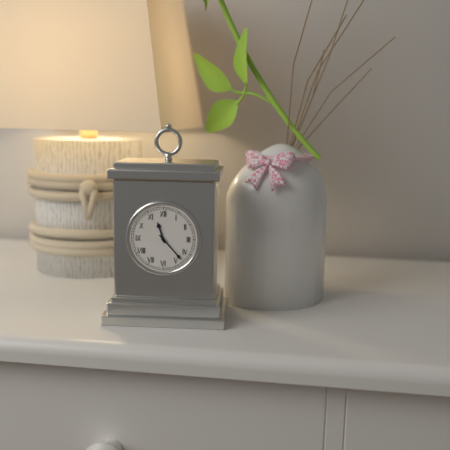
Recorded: 11:23
